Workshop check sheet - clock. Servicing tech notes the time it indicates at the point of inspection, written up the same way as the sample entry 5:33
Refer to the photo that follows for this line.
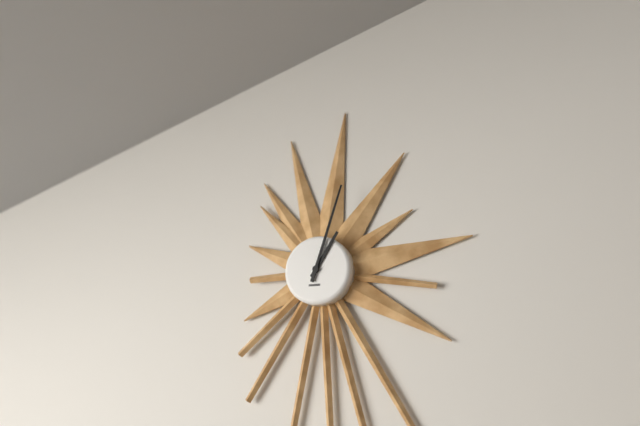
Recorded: 1:03
